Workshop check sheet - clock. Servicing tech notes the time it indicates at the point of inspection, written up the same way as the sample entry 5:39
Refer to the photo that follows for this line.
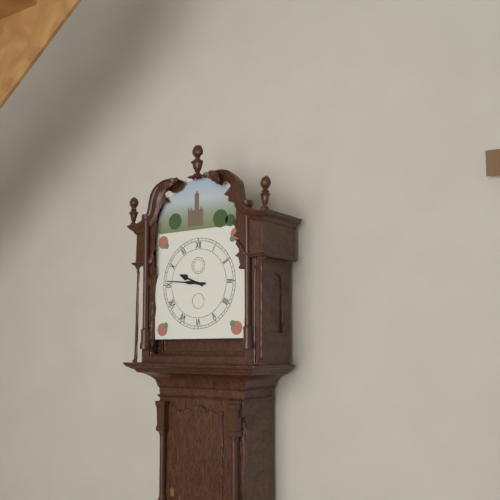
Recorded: 9:46
